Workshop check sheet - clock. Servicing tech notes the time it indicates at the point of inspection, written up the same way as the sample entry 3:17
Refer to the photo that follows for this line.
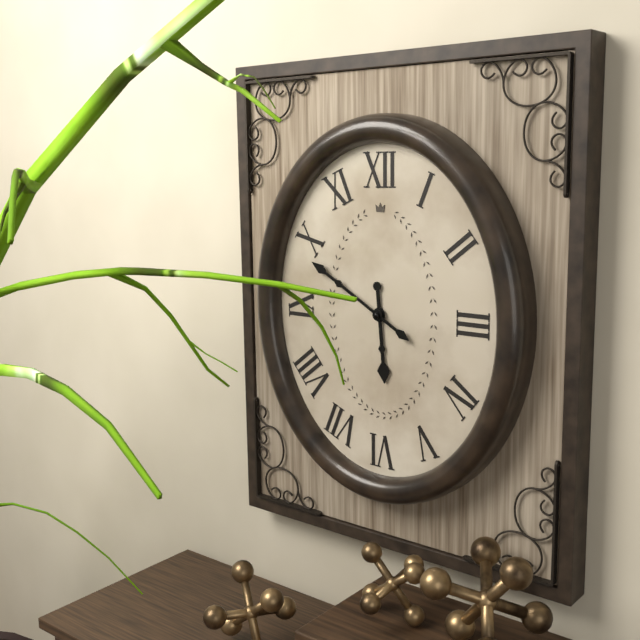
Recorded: 5:50
